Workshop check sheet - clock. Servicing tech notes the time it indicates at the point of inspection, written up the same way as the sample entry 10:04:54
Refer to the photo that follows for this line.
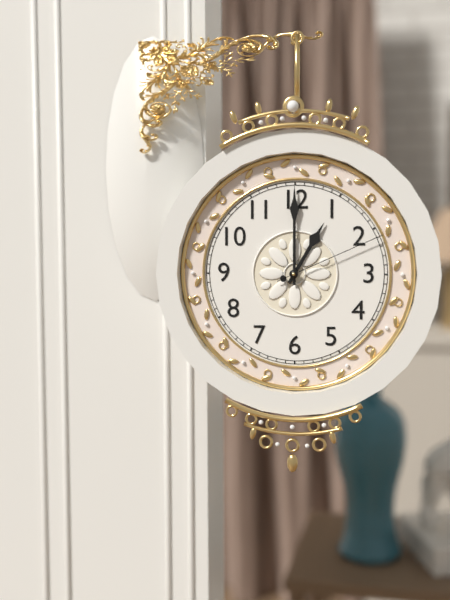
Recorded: 1:00:11
